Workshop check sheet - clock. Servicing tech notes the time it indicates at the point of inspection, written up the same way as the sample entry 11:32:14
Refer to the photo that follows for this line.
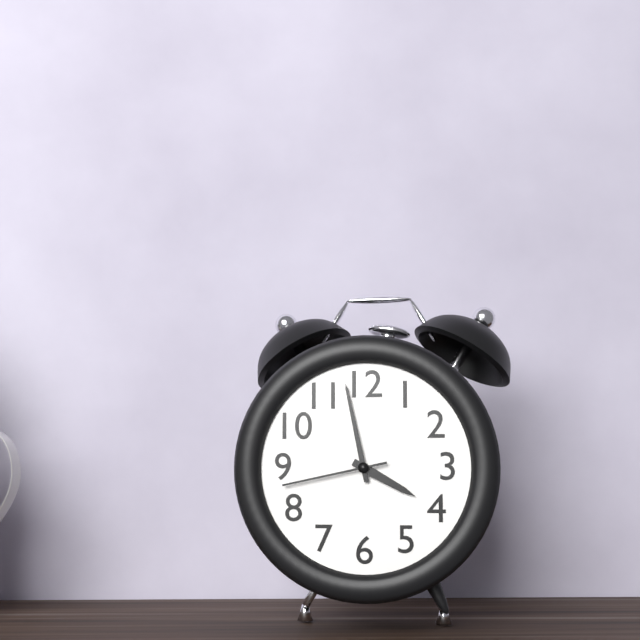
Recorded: 3:58:43
